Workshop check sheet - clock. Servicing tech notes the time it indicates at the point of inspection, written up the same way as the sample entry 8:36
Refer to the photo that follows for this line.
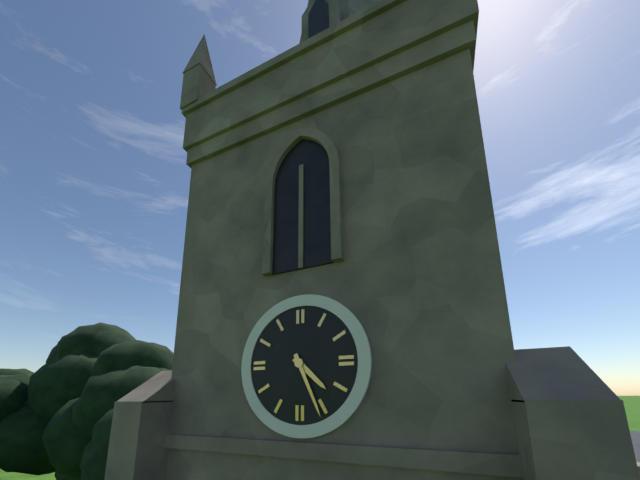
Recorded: 4:26
